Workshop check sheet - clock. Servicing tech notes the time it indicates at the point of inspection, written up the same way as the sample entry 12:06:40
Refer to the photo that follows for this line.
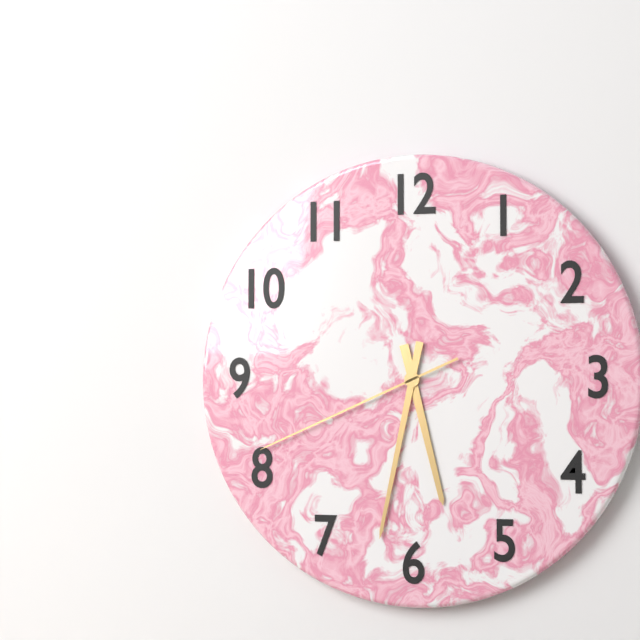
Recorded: 5:32:41
